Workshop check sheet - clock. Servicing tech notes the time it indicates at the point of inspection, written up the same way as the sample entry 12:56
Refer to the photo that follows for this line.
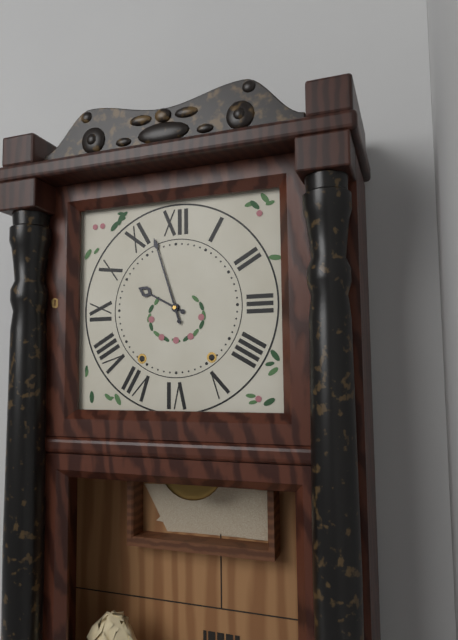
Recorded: 9:57
